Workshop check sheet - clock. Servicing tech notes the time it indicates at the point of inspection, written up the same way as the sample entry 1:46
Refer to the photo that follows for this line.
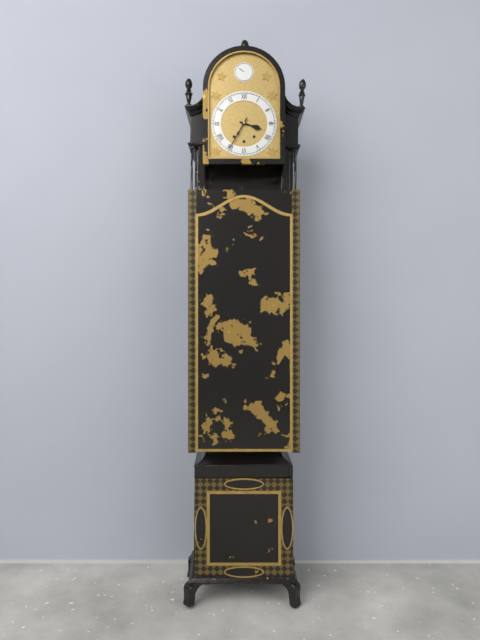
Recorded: 3:35
